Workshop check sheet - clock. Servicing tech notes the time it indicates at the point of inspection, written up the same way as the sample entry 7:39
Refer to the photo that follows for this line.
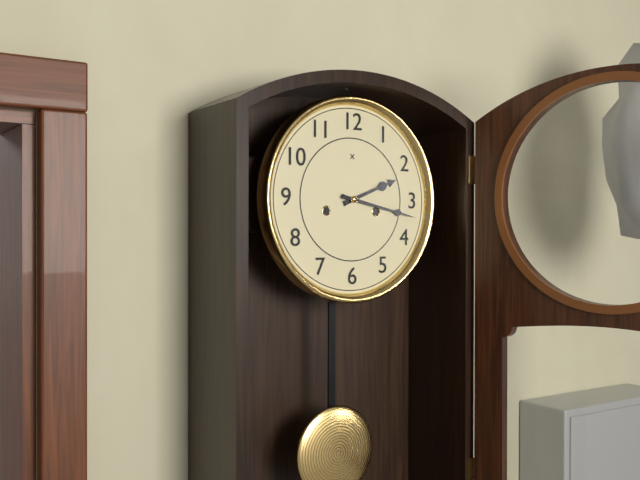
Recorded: 2:17
